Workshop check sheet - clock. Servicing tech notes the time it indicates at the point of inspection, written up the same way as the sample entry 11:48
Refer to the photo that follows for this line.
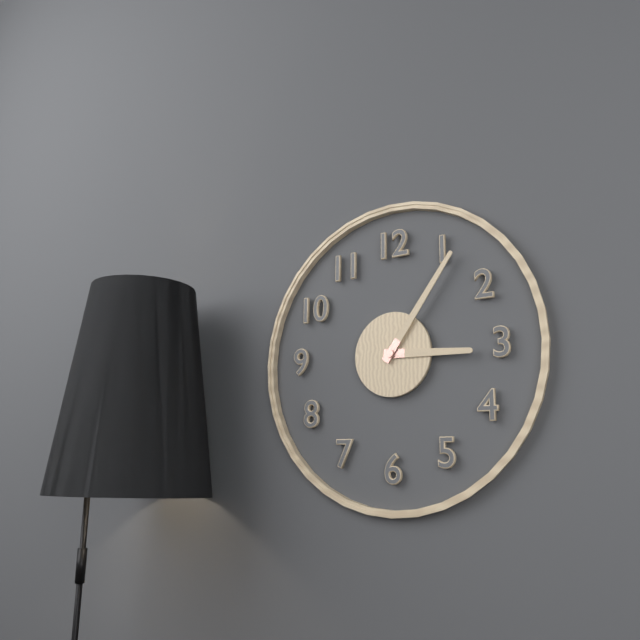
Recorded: 3:06
